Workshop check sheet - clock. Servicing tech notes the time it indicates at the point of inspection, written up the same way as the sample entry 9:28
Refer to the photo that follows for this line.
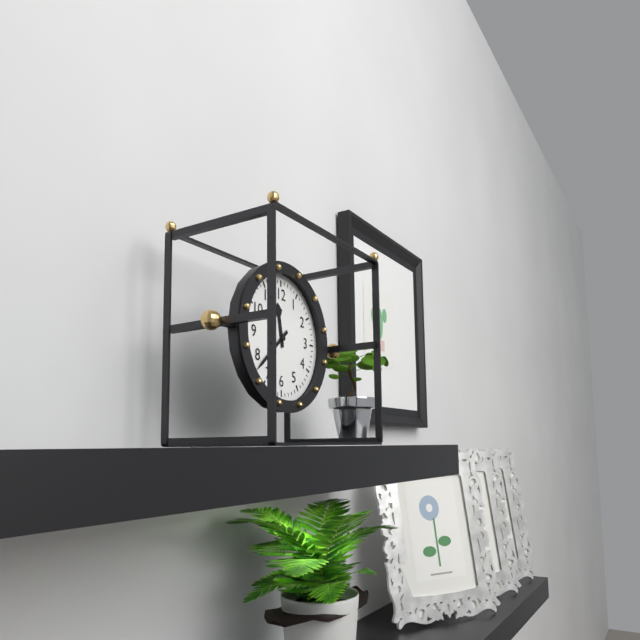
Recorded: 11:38
